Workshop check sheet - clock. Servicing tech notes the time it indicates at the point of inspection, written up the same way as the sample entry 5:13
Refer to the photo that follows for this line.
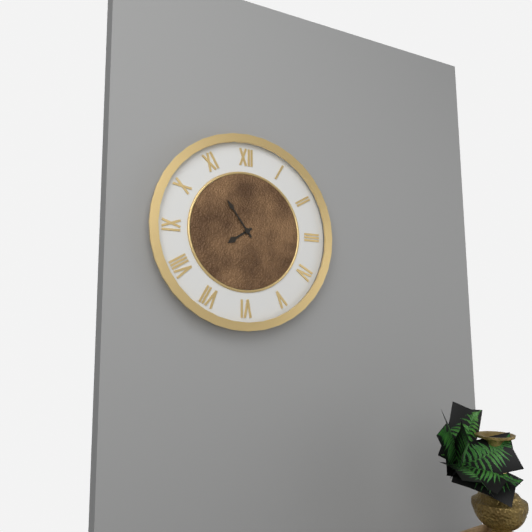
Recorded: 7:54
